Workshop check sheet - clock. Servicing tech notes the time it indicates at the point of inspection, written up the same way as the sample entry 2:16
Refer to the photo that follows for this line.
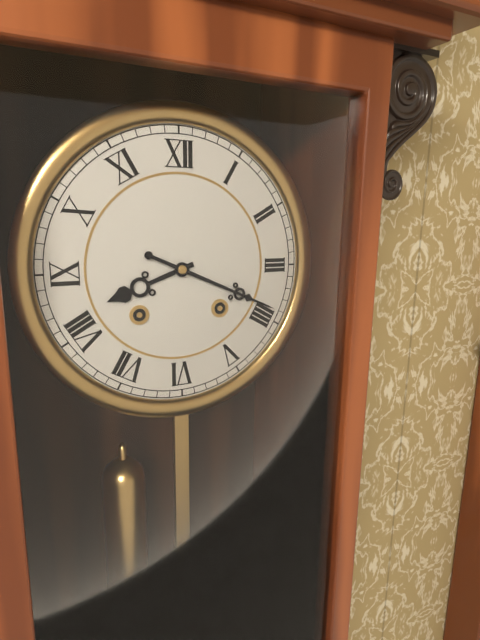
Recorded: 8:19
